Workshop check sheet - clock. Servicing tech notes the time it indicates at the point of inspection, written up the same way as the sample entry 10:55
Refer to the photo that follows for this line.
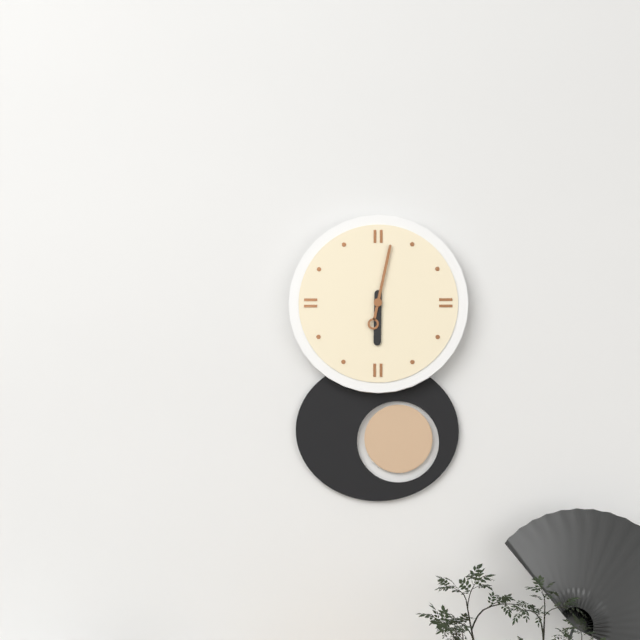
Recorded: 6:02
